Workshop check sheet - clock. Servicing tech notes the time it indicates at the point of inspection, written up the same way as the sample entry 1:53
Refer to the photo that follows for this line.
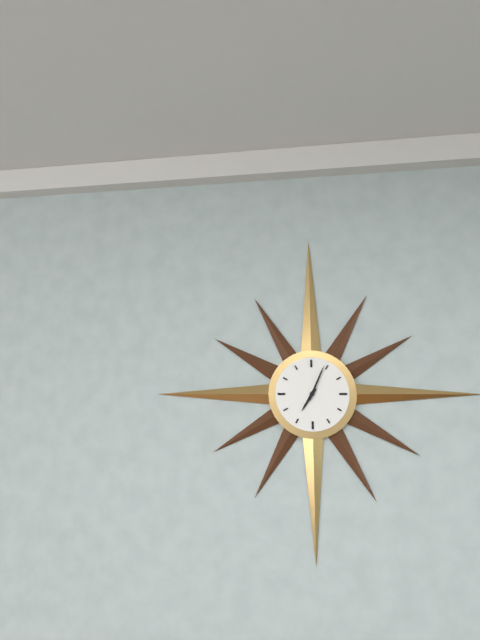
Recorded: 7:04
